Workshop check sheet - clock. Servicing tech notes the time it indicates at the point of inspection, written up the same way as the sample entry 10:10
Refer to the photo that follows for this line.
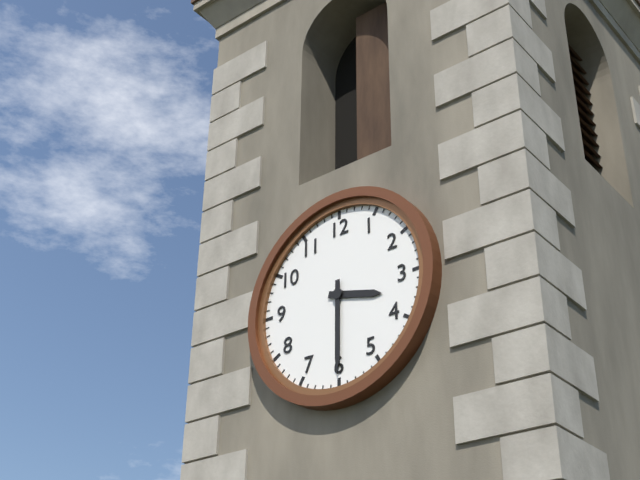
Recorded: 3:30
